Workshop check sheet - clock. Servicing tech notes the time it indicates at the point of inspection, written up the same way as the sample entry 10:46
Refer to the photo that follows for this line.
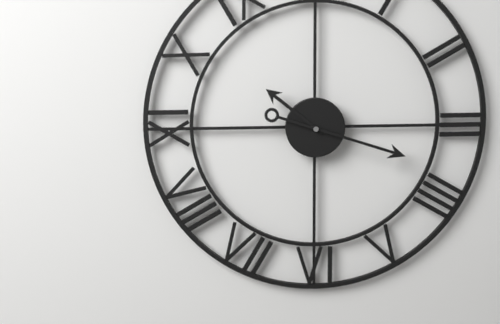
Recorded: 10:18
